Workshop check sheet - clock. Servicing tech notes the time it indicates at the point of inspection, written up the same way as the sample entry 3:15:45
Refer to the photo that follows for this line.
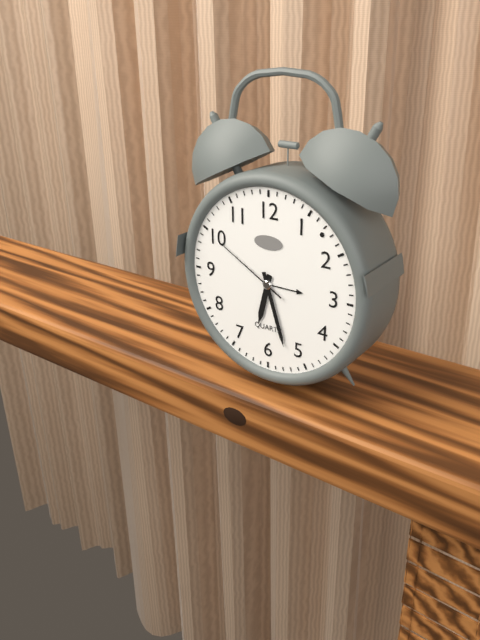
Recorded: 6:27:50
